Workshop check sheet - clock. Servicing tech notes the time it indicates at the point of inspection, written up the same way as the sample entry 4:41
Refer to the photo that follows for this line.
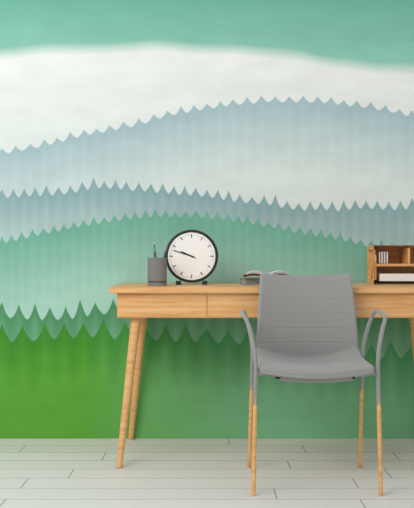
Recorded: 9:48
